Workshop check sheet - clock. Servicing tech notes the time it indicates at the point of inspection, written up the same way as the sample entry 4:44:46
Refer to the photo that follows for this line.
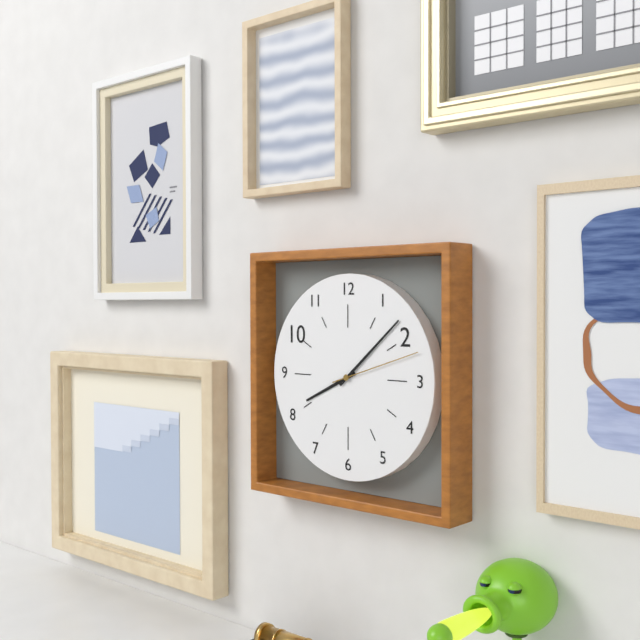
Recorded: 8:08:12
